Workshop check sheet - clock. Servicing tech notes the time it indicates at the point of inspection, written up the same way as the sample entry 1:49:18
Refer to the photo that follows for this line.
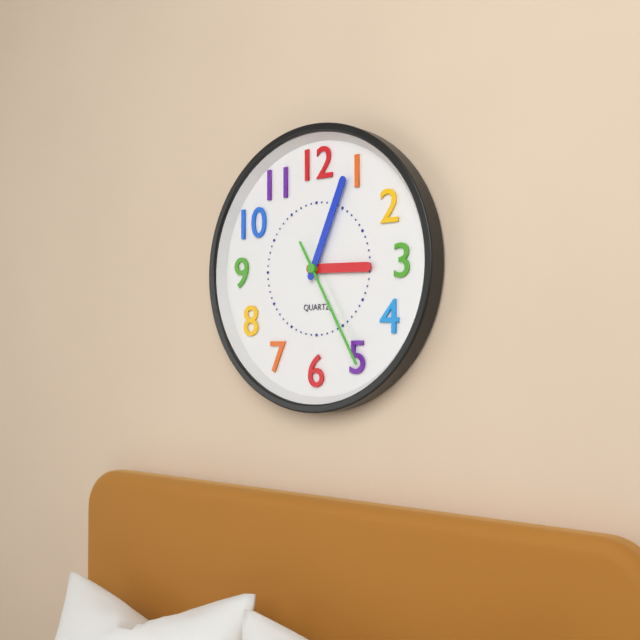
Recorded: 3:04:25
